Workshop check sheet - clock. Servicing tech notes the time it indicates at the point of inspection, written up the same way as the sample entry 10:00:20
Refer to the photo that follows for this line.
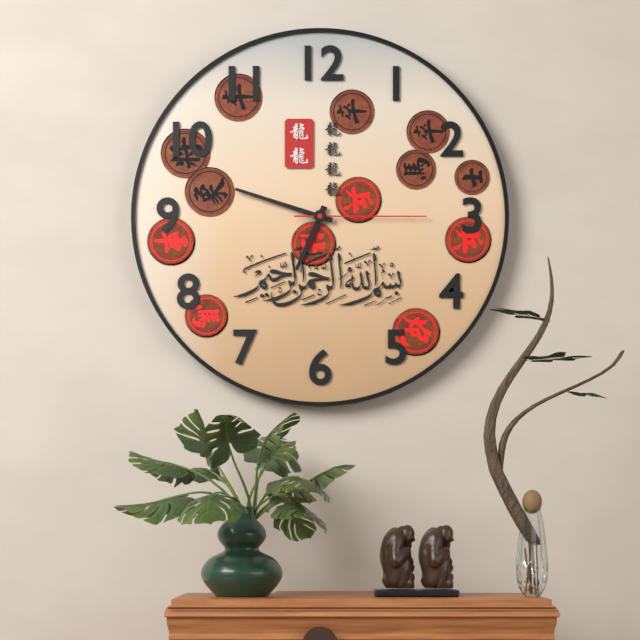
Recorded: 6:48:15
